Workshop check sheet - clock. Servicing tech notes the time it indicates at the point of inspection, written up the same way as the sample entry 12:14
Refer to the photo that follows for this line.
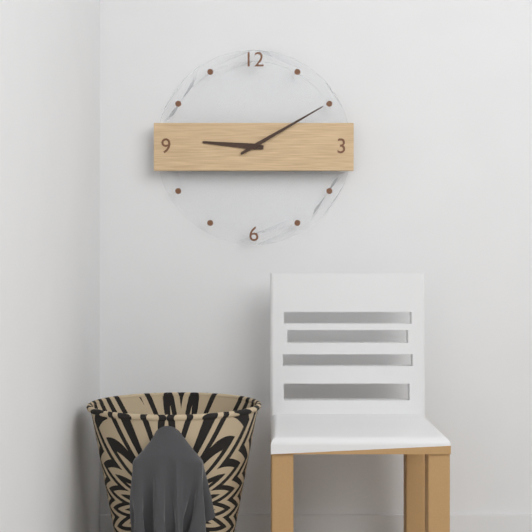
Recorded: 9:10
